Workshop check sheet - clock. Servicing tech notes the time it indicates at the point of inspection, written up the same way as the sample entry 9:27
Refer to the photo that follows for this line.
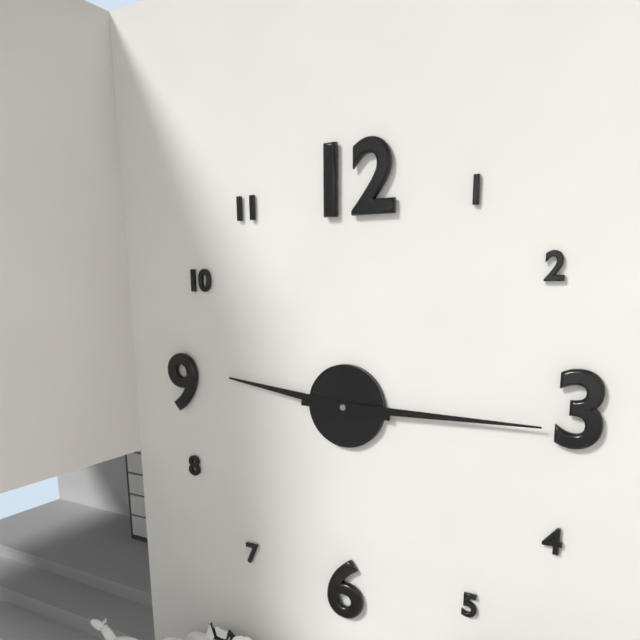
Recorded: 9:15
